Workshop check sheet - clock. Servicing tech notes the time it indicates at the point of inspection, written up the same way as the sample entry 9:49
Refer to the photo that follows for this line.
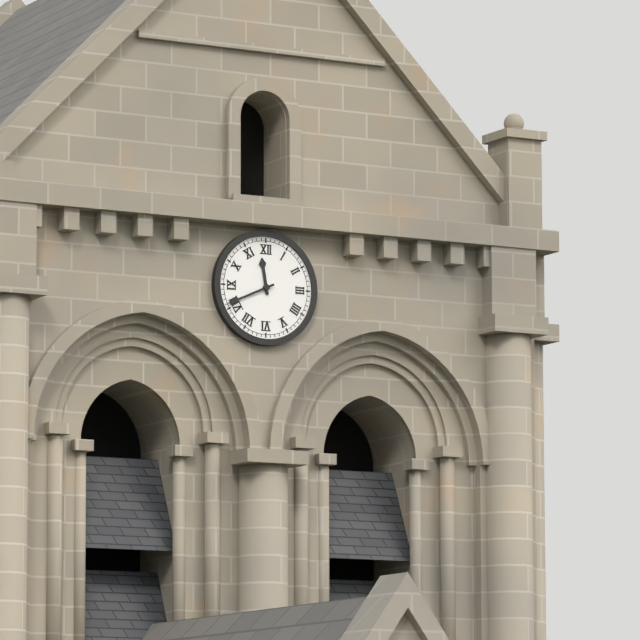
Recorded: 11:41
